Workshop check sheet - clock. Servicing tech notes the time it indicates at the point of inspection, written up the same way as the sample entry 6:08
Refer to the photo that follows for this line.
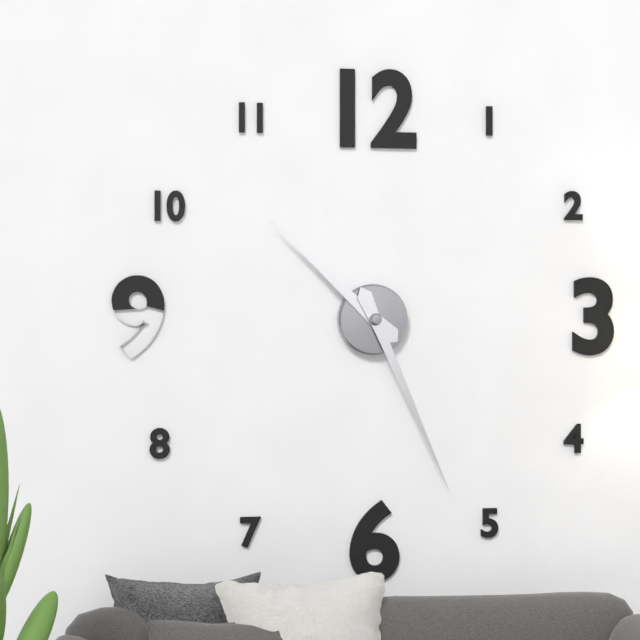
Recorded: 10:26
